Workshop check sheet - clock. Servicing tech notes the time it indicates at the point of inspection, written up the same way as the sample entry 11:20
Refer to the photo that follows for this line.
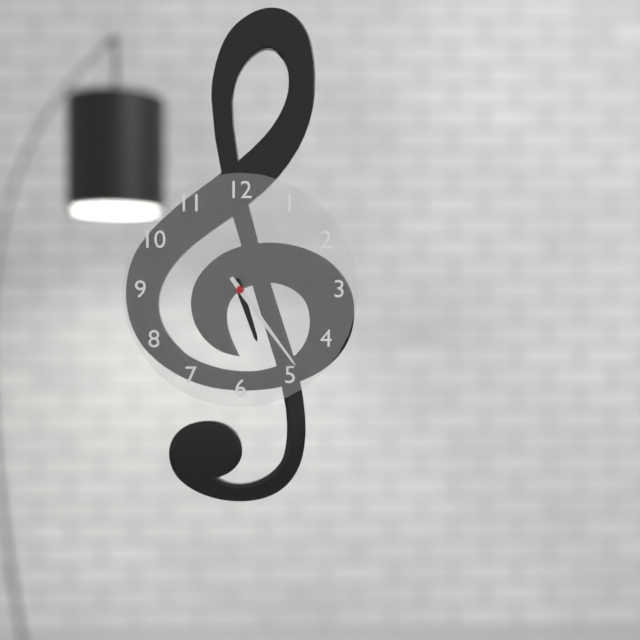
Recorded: 5:24
